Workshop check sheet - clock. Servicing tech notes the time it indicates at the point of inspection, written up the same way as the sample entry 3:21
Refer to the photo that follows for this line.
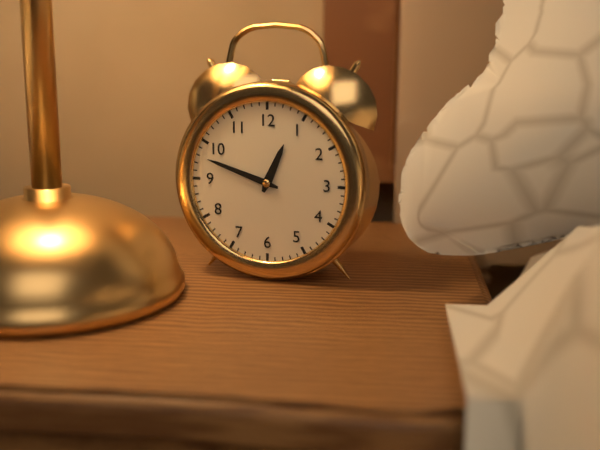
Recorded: 12:48
